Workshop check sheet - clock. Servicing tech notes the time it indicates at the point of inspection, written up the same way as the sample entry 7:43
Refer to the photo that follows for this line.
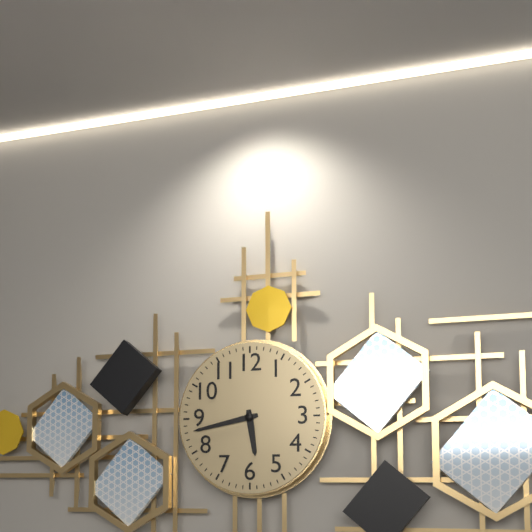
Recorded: 5:43
